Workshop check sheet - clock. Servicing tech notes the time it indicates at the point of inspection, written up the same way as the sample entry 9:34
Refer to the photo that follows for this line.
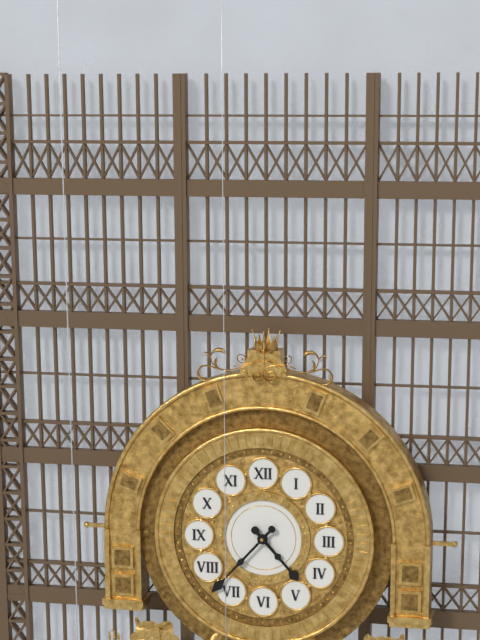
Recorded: 4:37
